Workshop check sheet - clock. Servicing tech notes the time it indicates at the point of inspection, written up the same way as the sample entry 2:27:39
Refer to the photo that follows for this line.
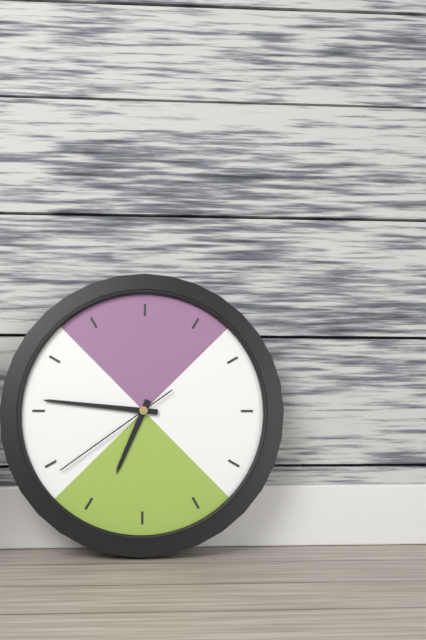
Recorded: 6:46:39
